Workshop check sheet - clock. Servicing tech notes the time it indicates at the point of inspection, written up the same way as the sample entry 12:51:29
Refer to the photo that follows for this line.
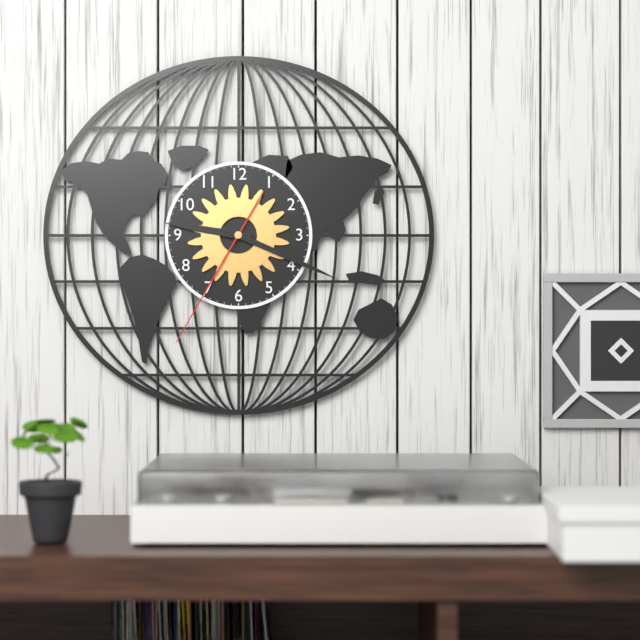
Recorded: 9:19:35
